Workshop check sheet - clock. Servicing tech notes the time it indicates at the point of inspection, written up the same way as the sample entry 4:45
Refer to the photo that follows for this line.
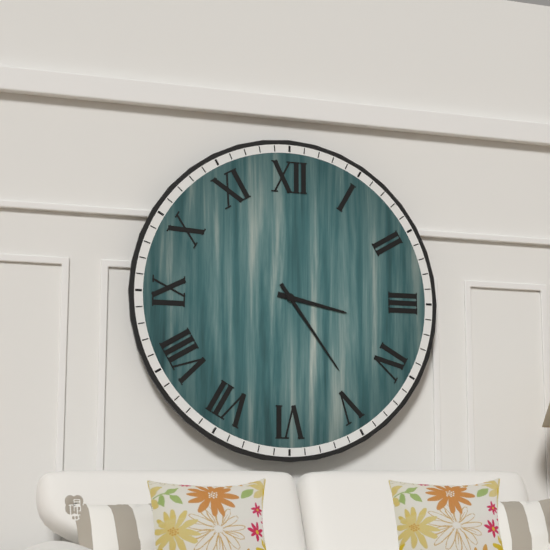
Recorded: 3:24
